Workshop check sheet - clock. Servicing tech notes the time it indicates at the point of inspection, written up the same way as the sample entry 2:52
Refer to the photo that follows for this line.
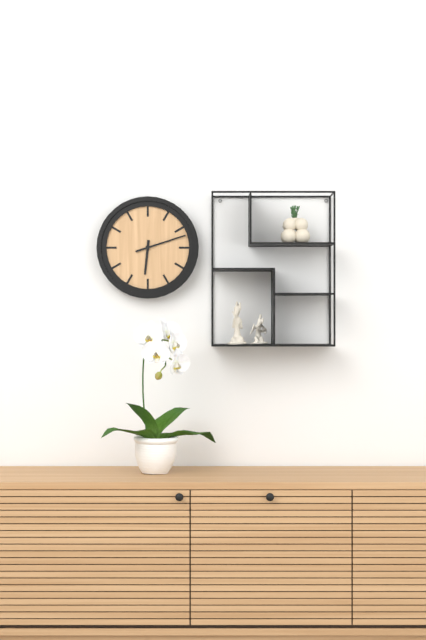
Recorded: 6:12
